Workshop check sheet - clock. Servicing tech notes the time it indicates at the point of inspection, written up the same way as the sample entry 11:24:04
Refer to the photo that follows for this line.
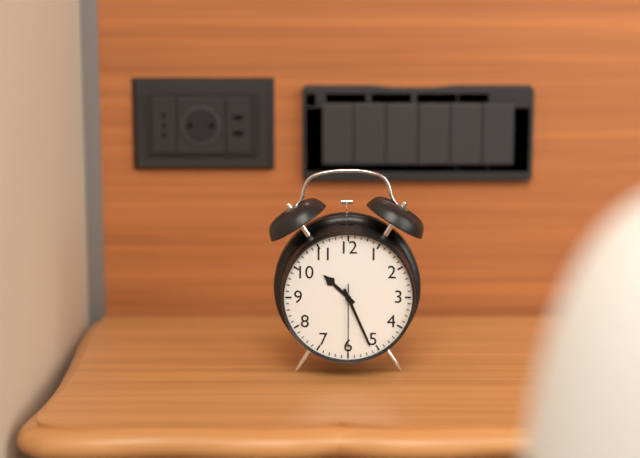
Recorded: 10:26:30
